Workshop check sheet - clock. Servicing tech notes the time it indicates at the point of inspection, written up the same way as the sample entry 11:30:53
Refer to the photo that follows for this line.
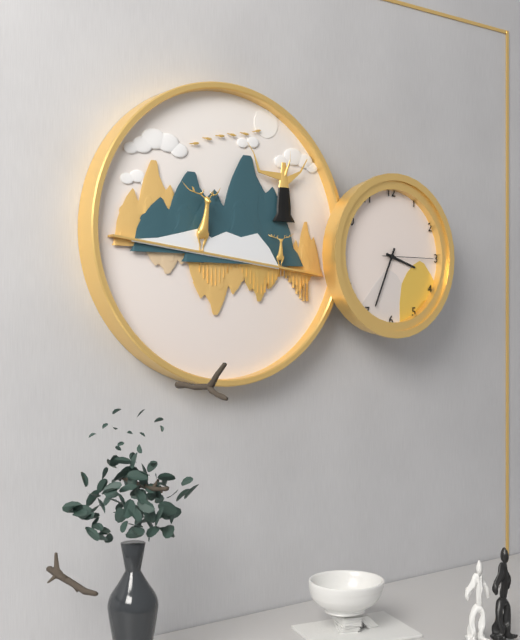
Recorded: 3:34:15
